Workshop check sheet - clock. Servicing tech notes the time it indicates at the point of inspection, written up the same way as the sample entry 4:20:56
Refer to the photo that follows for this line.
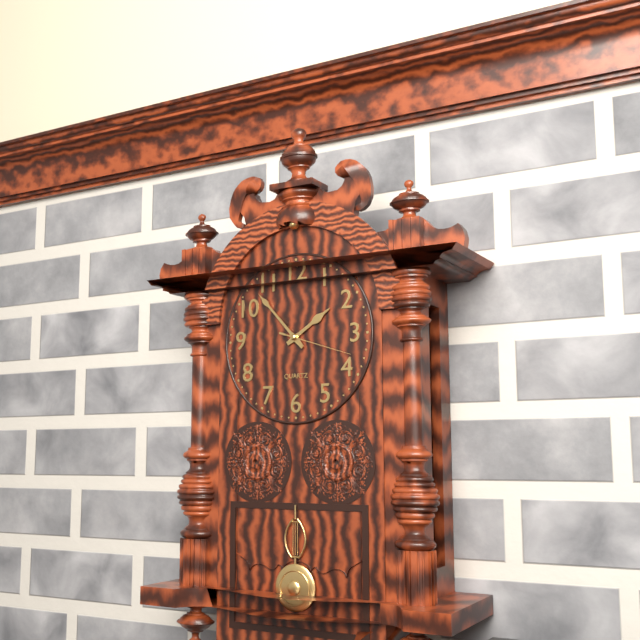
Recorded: 1:53:18
